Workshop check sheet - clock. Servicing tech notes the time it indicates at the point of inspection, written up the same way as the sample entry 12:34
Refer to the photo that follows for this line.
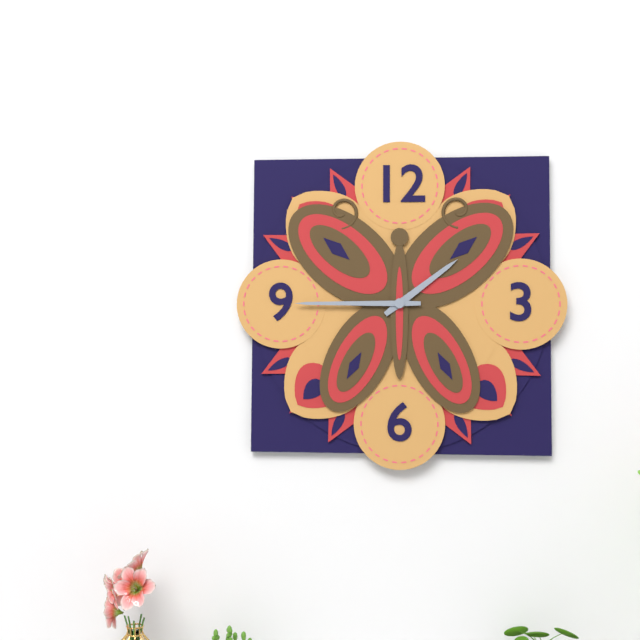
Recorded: 1:45
